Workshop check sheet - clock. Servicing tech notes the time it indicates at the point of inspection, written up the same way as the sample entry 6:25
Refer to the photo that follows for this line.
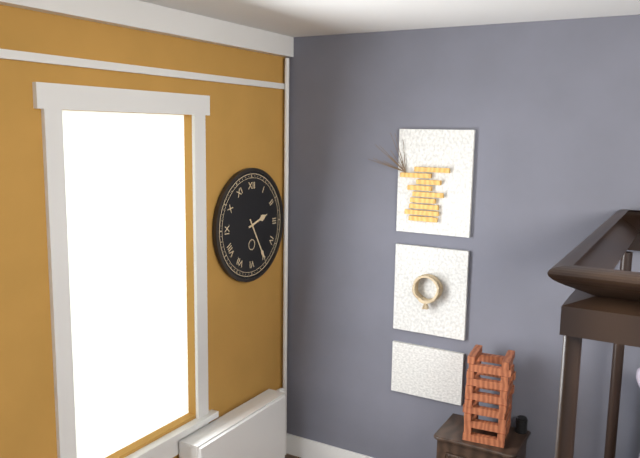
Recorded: 2:25
